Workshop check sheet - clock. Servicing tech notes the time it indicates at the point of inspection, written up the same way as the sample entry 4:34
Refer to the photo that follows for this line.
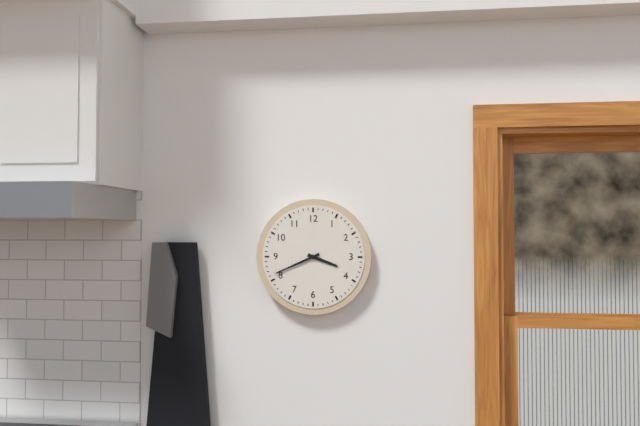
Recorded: 3:41
